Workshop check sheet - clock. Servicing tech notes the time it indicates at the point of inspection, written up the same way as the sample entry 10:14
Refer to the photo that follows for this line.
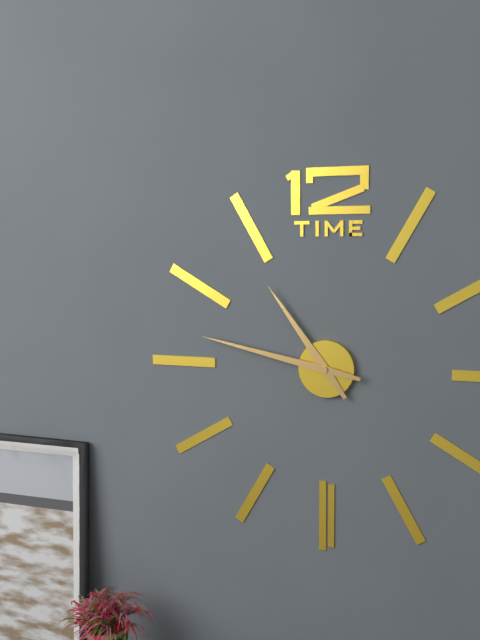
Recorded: 10:47
